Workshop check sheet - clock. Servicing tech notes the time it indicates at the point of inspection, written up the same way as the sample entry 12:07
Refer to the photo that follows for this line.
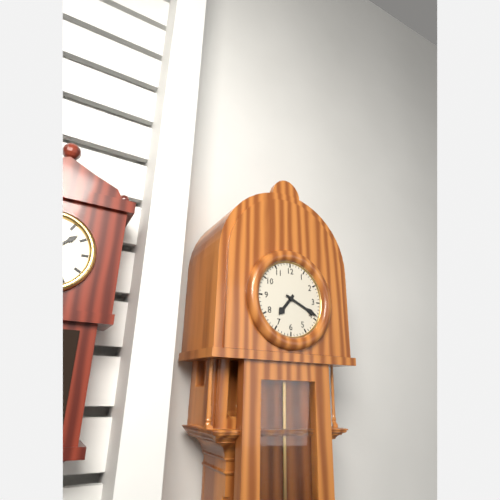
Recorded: 7:19
